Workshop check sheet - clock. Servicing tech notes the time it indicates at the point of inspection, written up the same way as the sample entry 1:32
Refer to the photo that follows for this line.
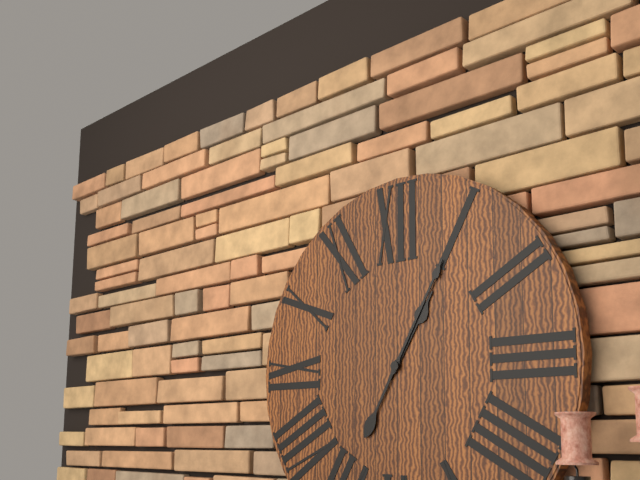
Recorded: 1:05
